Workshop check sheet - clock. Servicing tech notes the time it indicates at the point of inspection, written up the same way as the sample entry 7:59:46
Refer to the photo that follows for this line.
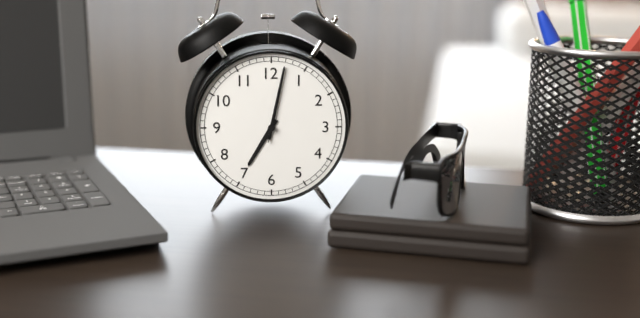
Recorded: 7:02:02
